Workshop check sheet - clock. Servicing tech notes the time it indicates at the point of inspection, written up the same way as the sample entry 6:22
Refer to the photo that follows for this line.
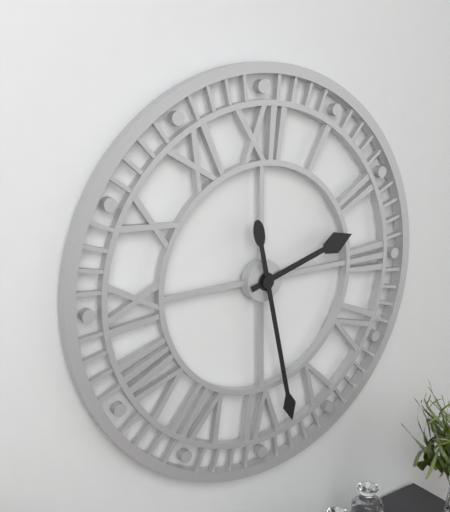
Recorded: 2:28
